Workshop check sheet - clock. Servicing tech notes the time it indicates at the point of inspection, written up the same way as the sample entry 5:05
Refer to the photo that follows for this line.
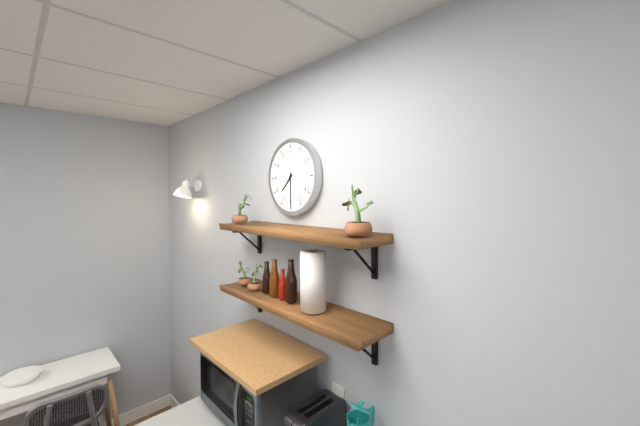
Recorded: 7:30
